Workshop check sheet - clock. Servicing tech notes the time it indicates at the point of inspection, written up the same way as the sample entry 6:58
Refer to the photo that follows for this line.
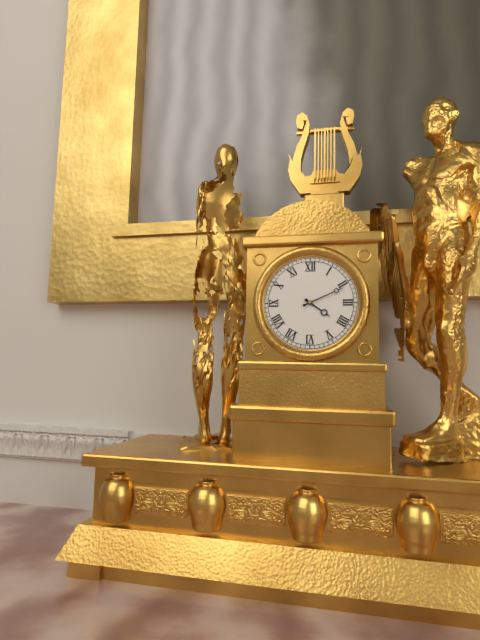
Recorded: 4:11
